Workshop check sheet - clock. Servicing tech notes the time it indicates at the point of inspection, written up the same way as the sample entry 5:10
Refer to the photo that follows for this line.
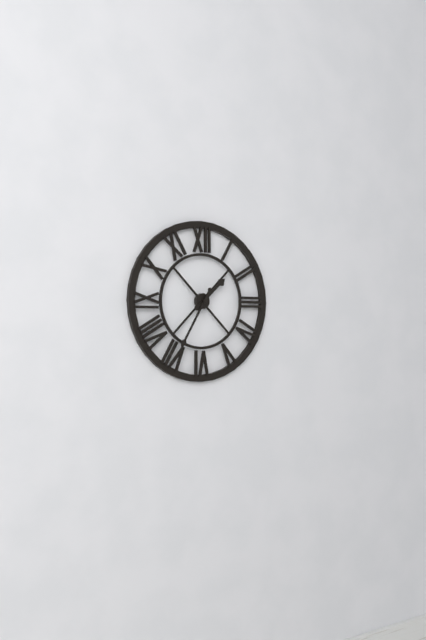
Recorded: 1:35
